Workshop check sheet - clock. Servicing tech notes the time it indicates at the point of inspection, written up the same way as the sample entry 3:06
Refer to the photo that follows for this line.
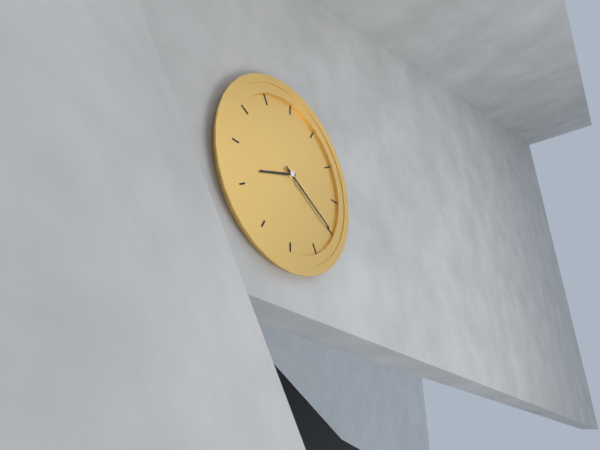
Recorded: 8:20
